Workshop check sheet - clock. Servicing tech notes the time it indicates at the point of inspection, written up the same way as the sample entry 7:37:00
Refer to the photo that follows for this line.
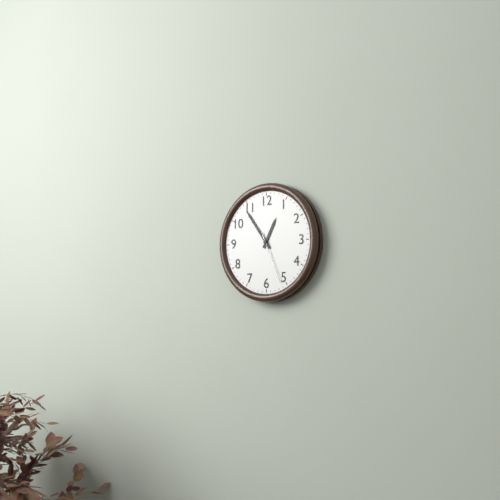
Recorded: 12:54:26
